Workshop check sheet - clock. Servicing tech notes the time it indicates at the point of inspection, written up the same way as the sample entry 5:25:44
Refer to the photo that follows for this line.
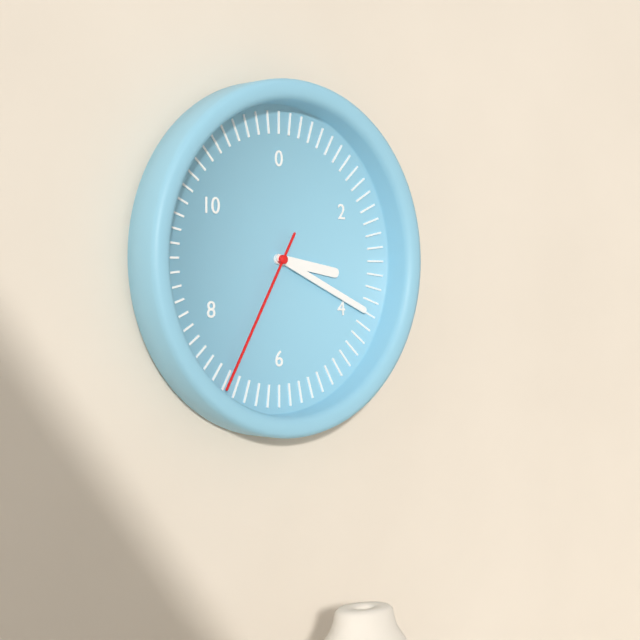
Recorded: 3:19:35
